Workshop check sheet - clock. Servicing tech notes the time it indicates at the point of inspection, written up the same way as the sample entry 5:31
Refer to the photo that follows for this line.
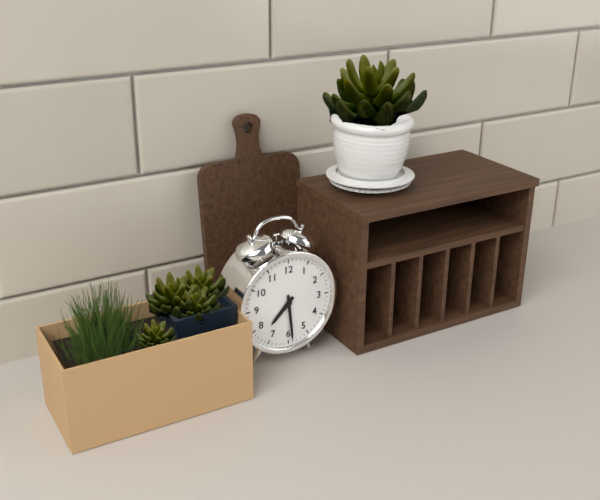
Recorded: 7:29
